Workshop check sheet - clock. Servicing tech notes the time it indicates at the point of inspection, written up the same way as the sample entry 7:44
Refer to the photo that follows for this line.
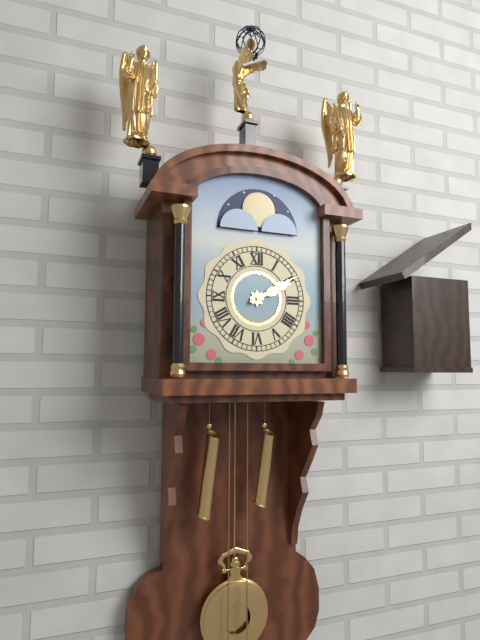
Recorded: 2:10
